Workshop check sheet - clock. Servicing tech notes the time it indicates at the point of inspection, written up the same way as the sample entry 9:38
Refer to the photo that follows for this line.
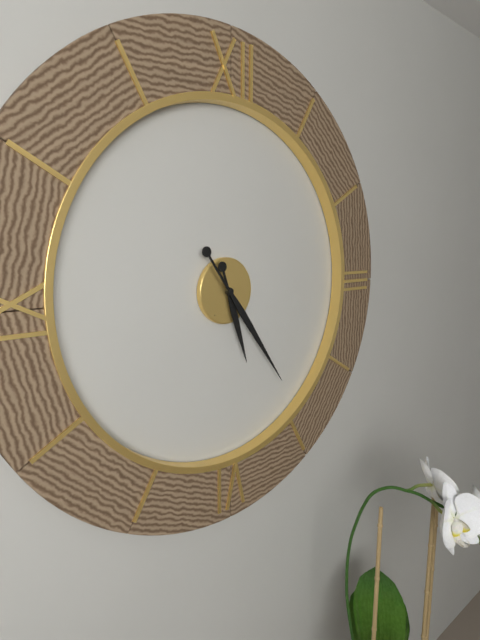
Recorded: 5:24
